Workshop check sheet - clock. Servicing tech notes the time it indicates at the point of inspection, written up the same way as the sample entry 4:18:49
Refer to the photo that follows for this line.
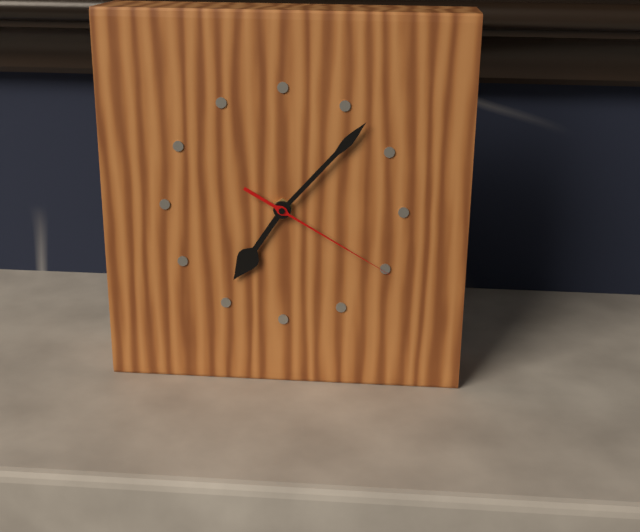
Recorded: 7:07:20
